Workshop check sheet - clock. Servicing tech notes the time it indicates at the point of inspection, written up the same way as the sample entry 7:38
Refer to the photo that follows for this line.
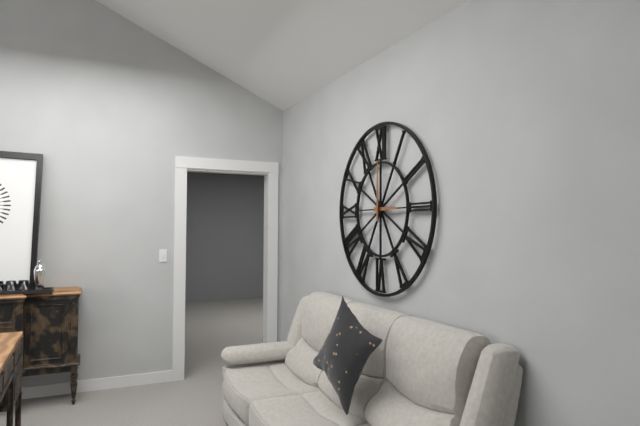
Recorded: 3:00
